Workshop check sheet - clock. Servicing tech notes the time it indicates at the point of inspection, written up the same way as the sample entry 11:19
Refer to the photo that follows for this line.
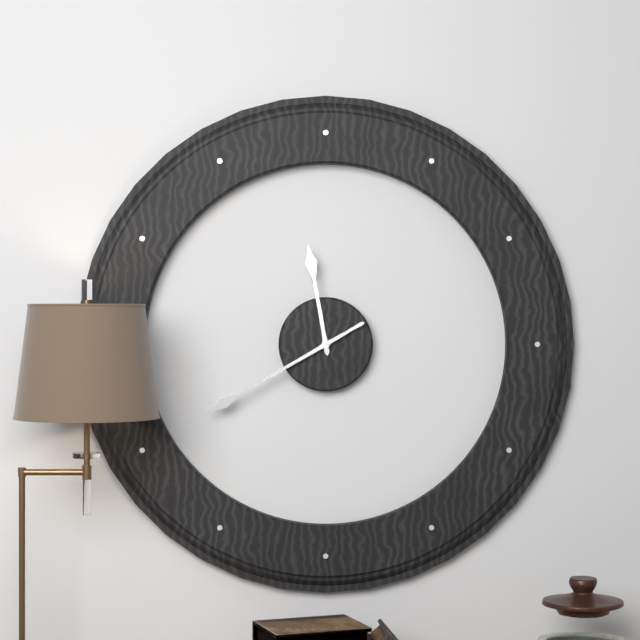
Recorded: 11:40
